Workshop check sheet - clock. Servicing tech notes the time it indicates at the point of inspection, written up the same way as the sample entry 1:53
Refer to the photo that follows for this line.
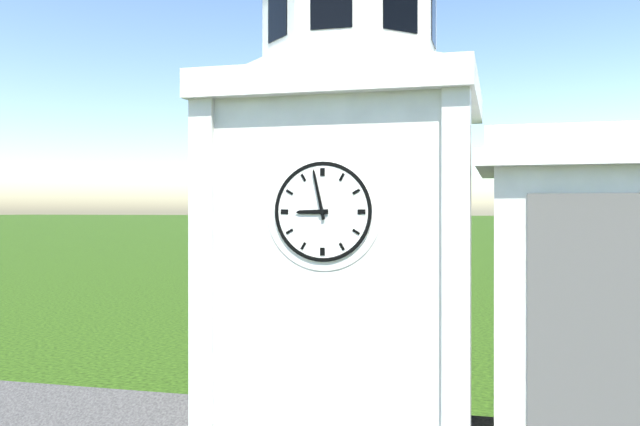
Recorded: 8:58
